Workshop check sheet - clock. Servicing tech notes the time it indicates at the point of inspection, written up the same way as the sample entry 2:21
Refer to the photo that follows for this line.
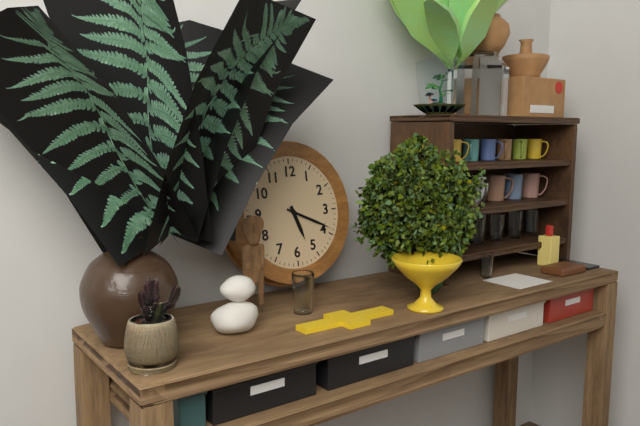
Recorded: 5:19
